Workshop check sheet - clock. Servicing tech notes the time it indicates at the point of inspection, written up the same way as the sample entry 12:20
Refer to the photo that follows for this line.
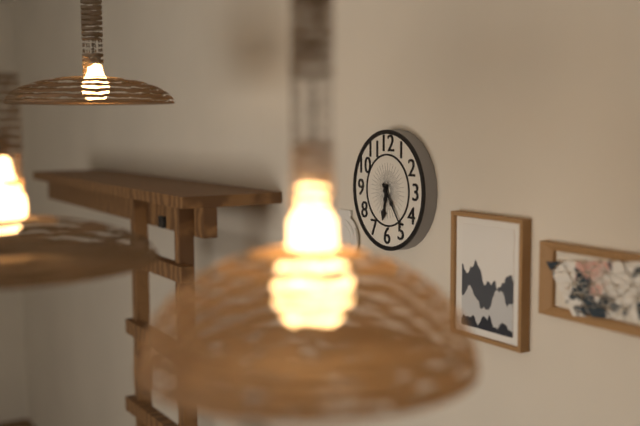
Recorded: 6:24
